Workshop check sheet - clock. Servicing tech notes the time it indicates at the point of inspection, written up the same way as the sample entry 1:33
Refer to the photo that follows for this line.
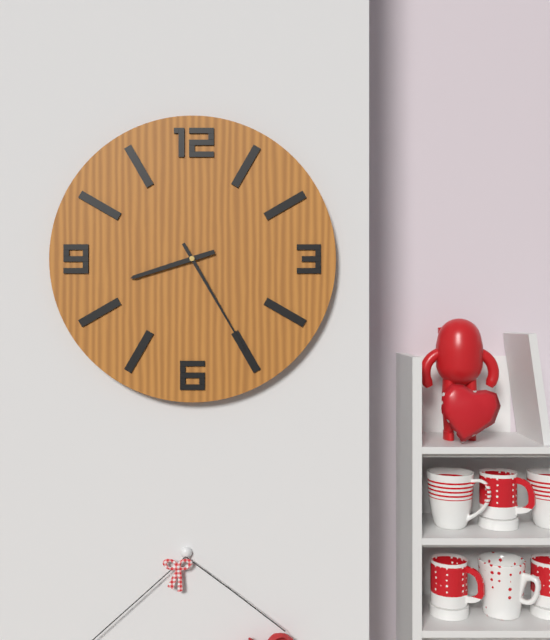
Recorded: 8:25
